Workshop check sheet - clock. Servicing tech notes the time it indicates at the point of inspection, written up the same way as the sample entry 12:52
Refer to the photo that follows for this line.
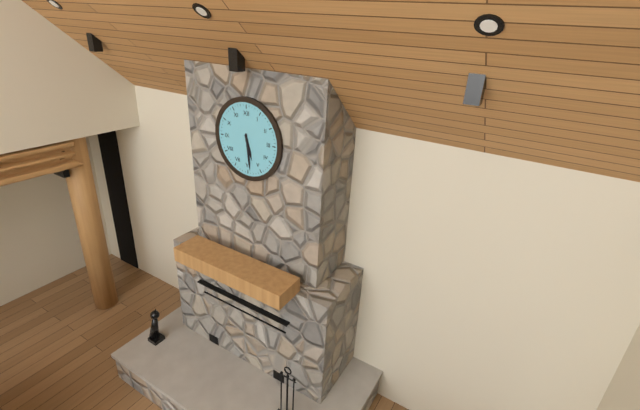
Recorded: 5:29
